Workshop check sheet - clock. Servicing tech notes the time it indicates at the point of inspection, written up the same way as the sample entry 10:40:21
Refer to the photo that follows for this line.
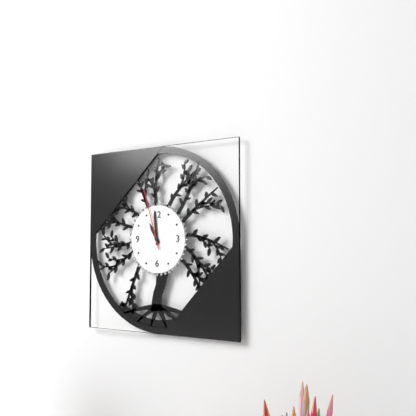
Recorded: 10:59:57
